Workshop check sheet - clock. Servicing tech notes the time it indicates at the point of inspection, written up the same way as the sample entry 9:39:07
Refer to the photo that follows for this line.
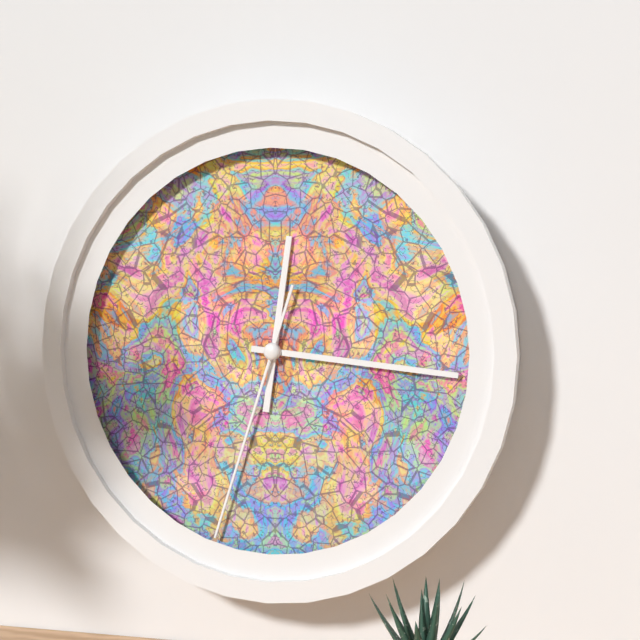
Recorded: 12:16:33
